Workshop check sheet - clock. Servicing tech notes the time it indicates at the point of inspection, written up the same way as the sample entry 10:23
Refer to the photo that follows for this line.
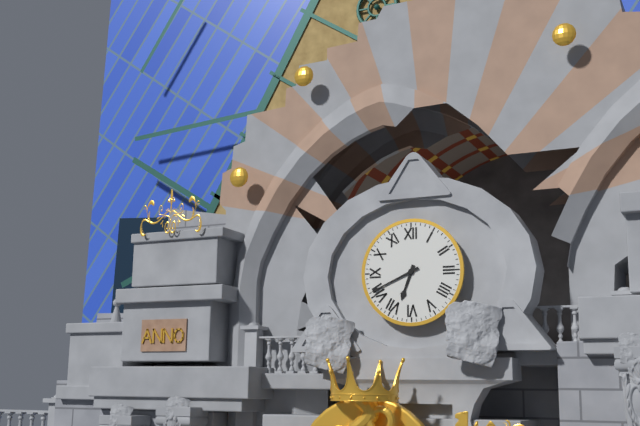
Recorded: 6:41
